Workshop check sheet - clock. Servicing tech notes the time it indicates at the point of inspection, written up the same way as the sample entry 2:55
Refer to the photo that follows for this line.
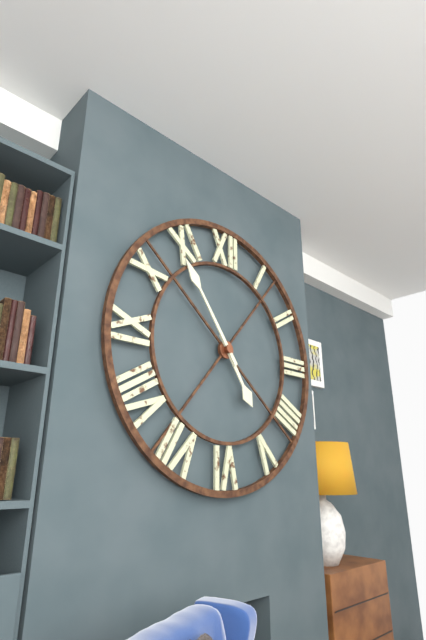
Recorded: 4:54
